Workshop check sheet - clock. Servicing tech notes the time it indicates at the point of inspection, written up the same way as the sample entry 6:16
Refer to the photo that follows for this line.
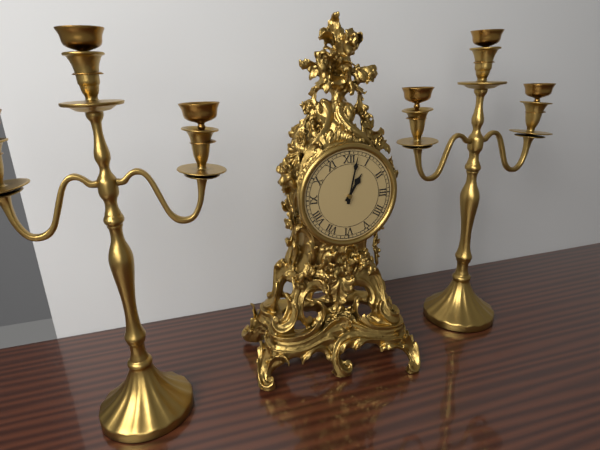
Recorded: 1:02
